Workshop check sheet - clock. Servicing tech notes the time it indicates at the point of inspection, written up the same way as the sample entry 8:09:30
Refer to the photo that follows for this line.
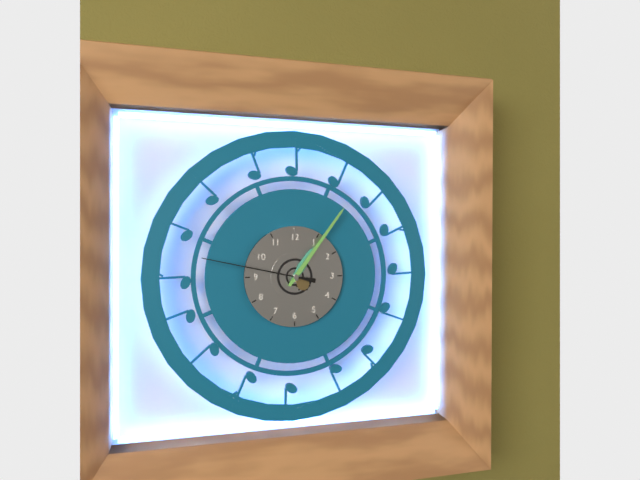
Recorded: 1:06:47
